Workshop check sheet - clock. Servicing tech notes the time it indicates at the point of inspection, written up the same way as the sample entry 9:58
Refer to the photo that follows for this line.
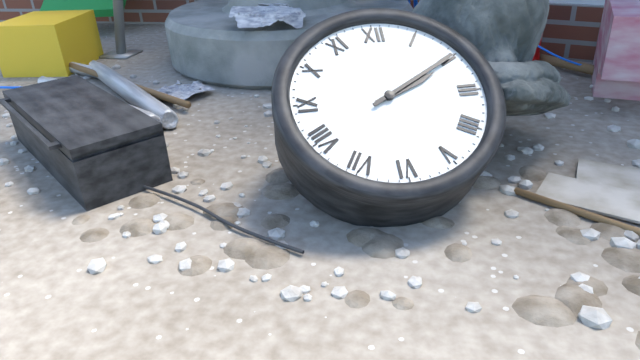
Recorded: 2:10
